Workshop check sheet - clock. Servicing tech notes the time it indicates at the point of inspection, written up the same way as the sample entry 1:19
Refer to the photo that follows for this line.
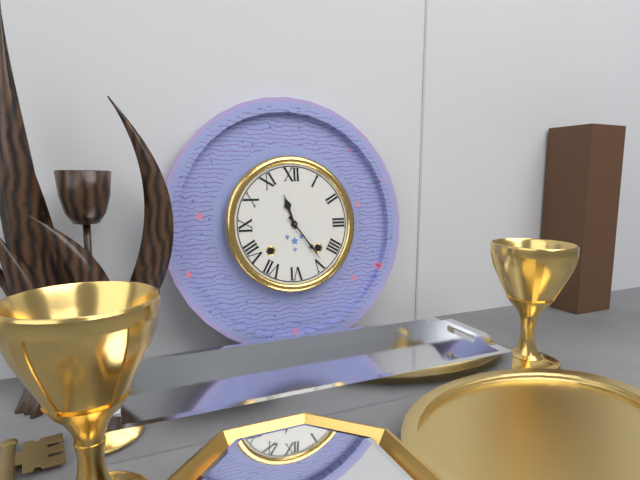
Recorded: 11:24
